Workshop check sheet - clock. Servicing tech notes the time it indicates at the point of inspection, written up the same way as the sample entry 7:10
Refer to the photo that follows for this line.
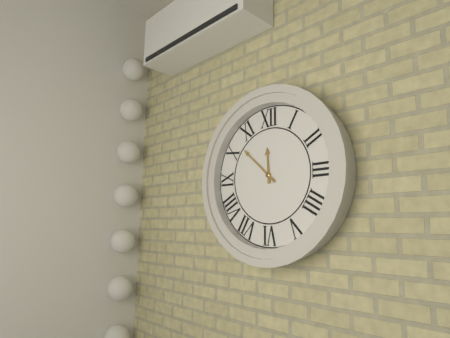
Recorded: 11:52
